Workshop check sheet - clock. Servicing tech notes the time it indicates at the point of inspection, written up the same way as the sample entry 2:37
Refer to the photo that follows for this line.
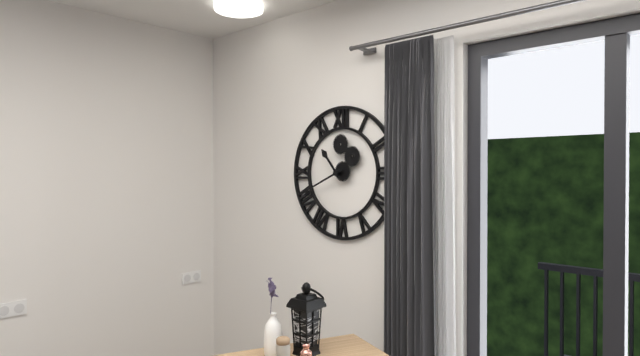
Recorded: 10:41
